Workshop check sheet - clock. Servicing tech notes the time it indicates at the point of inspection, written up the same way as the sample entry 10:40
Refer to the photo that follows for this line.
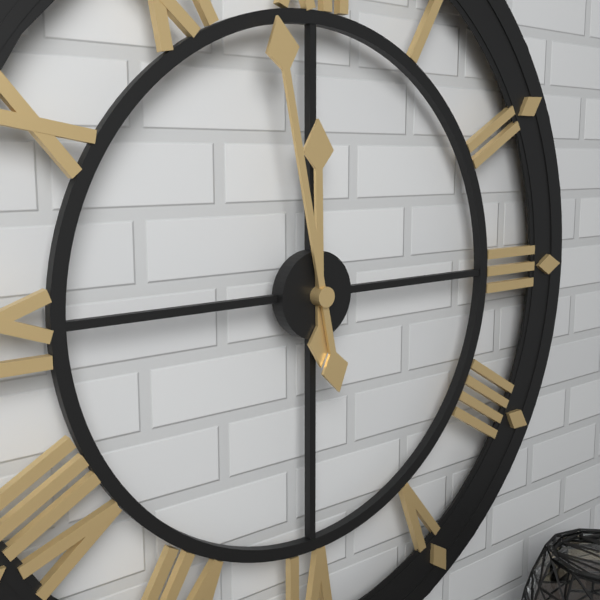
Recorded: 11:58
